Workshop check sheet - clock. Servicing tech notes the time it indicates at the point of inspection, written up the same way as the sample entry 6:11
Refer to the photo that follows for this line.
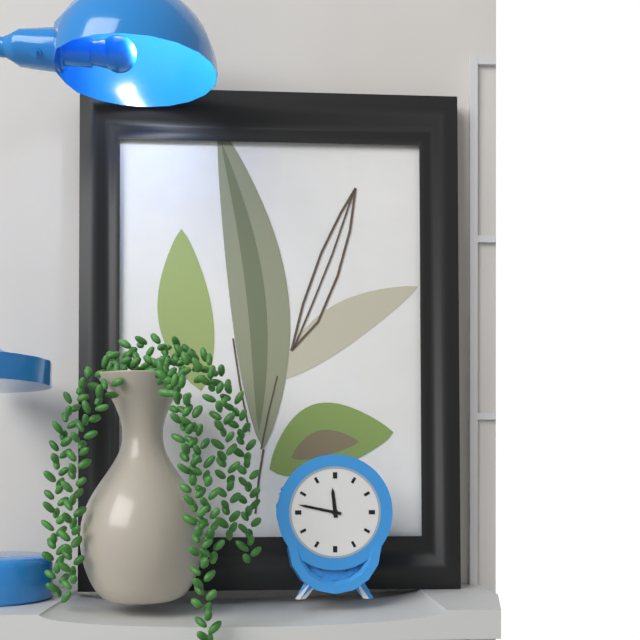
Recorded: 11:47
